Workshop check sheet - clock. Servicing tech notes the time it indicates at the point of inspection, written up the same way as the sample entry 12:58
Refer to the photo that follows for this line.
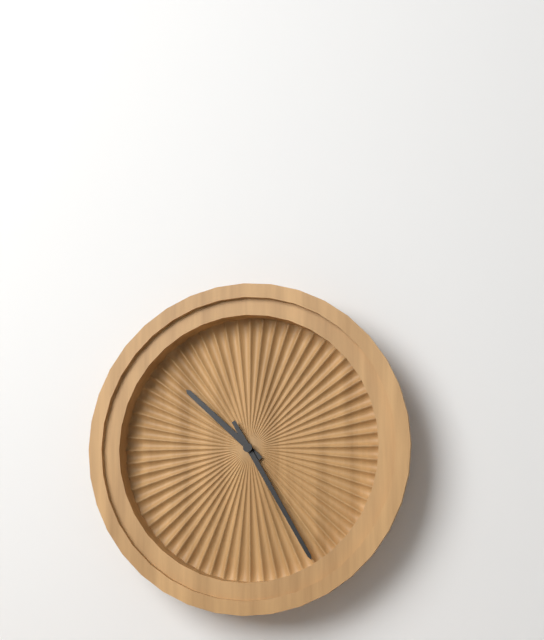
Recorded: 10:25
